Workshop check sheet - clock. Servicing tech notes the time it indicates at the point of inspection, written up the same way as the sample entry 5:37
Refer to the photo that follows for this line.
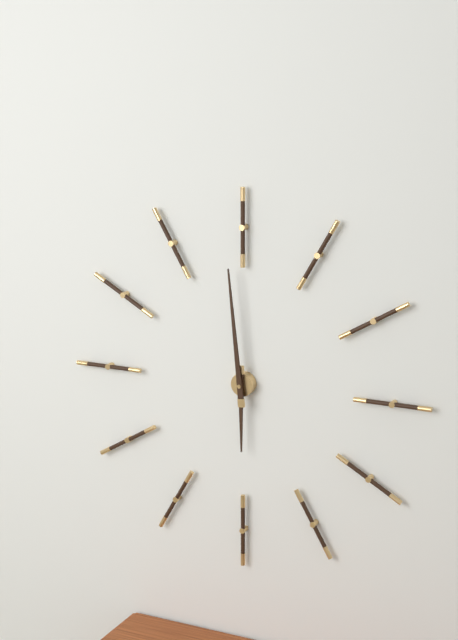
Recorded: 5:59
